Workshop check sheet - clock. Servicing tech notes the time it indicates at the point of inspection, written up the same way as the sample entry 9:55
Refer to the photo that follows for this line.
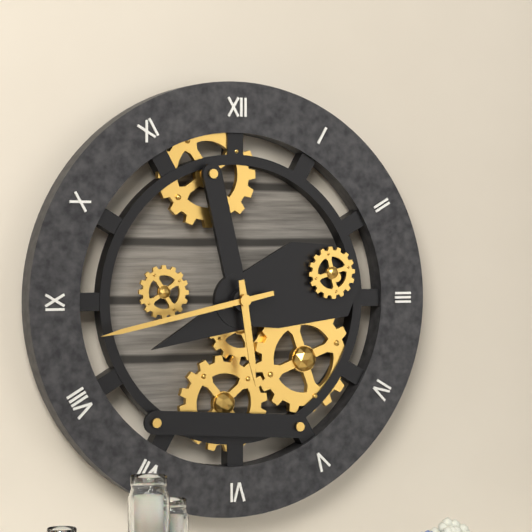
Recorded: 5:43
